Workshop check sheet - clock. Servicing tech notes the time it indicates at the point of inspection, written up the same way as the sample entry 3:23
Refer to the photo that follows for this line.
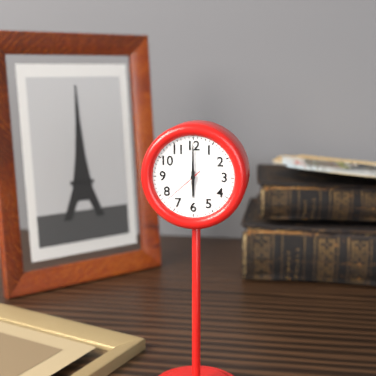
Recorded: 6:00
